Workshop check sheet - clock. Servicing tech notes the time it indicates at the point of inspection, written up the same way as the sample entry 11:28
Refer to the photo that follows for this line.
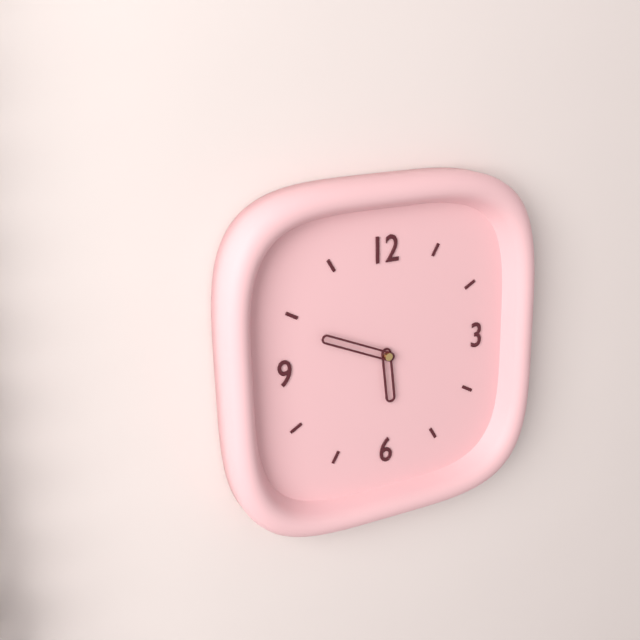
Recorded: 5:49
